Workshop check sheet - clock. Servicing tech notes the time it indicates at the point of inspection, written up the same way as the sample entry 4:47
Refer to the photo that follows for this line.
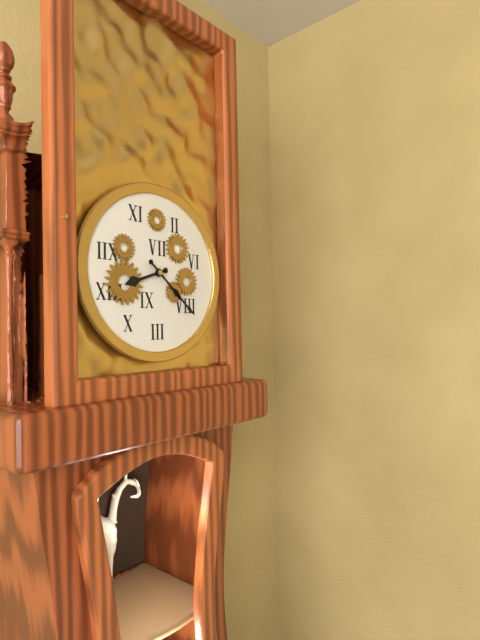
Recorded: 8:22
